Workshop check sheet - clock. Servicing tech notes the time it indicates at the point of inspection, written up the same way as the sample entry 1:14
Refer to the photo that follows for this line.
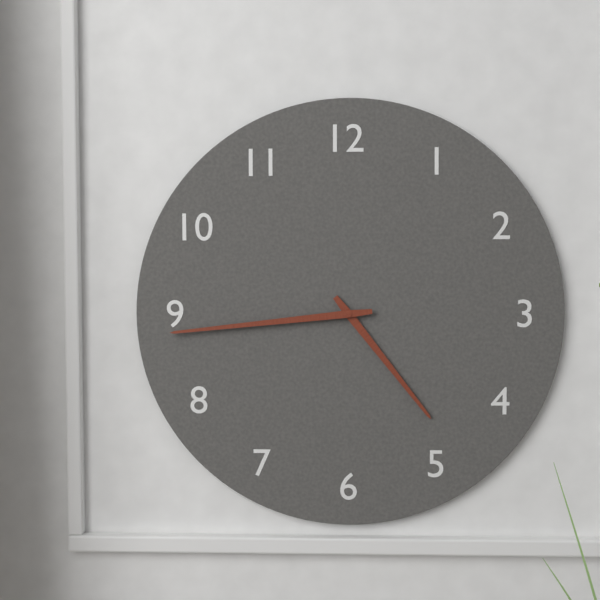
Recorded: 4:44
